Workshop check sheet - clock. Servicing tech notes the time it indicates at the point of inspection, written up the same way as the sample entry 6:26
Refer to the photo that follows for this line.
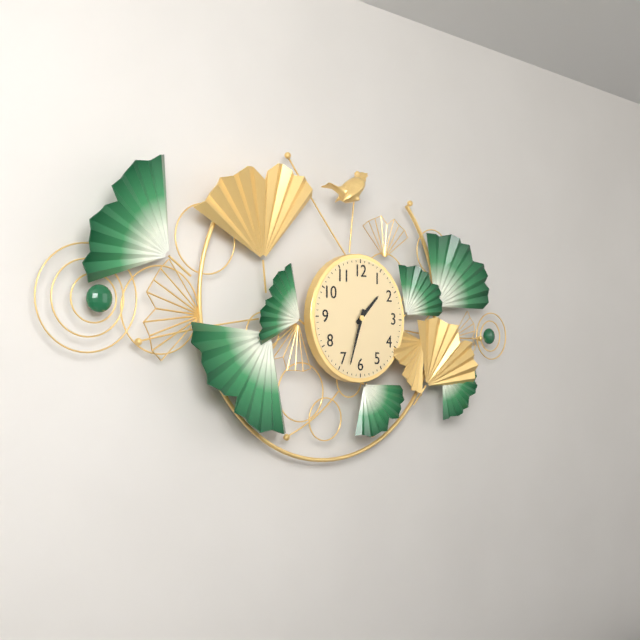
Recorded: 1:33
